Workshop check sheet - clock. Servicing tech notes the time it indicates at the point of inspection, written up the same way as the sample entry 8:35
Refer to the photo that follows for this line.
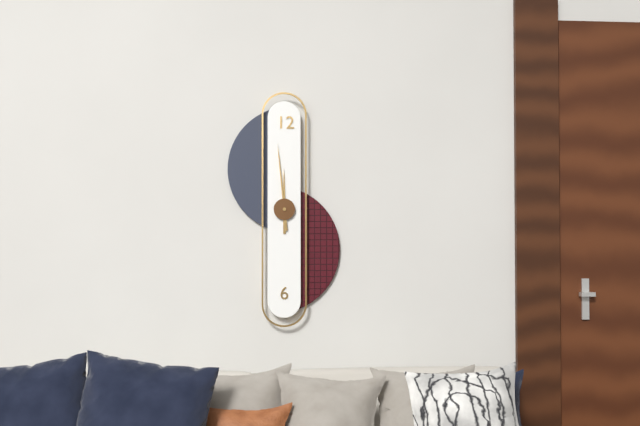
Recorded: 11:59
